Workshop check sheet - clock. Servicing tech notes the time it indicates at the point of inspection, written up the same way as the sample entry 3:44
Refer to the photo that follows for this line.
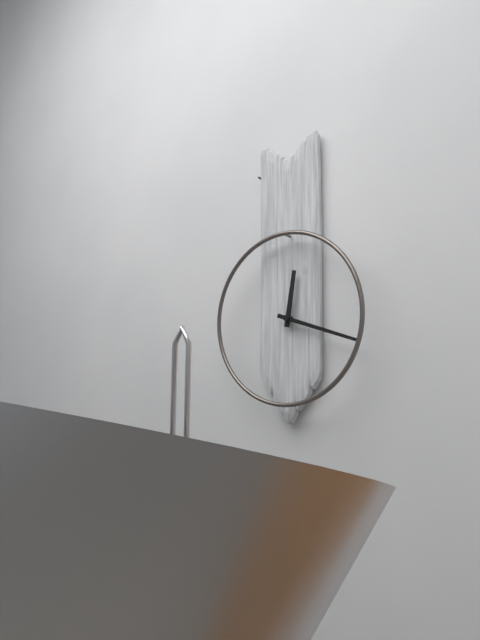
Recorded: 12:18
